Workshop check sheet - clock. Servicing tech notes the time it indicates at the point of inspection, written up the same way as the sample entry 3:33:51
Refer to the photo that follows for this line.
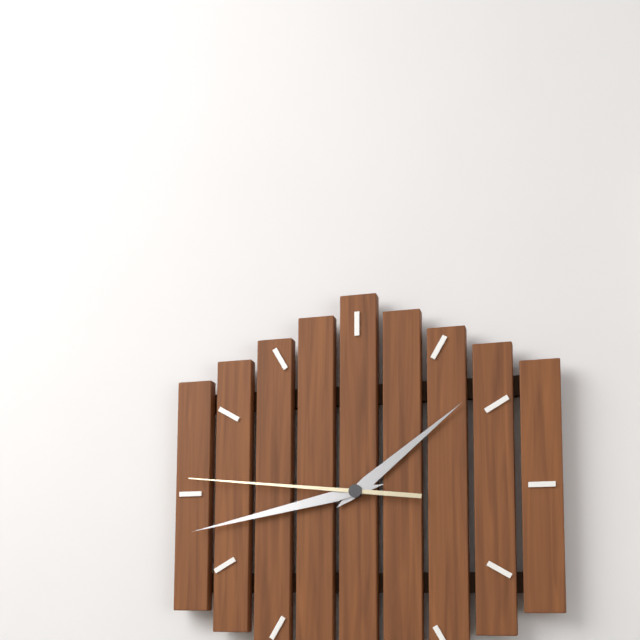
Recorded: 1:43:46
